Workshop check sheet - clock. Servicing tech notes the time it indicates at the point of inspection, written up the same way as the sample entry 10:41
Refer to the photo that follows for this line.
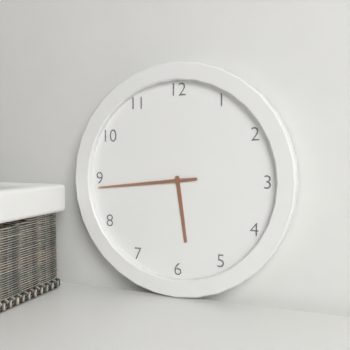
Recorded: 5:44
